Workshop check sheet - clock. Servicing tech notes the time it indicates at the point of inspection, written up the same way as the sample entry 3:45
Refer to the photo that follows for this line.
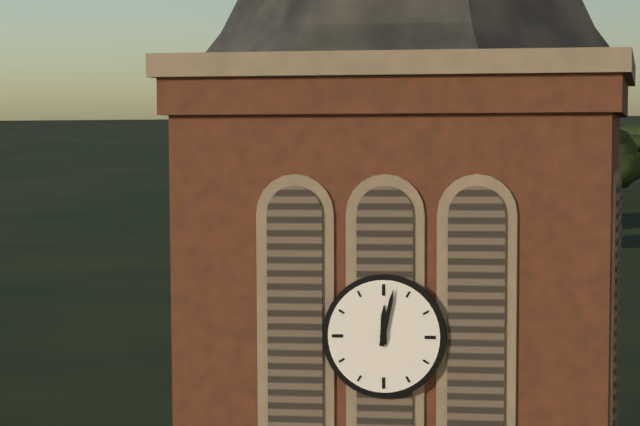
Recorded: 12:02
